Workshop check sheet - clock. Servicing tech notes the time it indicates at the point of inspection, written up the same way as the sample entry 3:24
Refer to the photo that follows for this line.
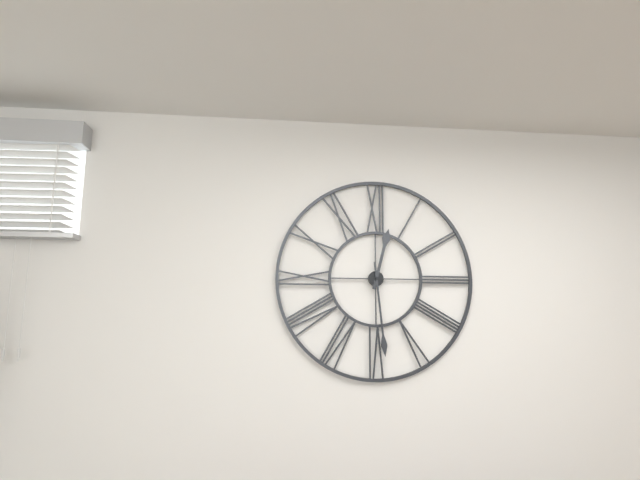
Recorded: 12:29
